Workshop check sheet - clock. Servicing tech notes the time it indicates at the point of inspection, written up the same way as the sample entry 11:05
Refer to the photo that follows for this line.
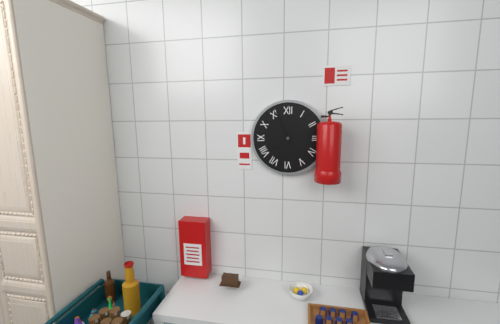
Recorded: 7:56
